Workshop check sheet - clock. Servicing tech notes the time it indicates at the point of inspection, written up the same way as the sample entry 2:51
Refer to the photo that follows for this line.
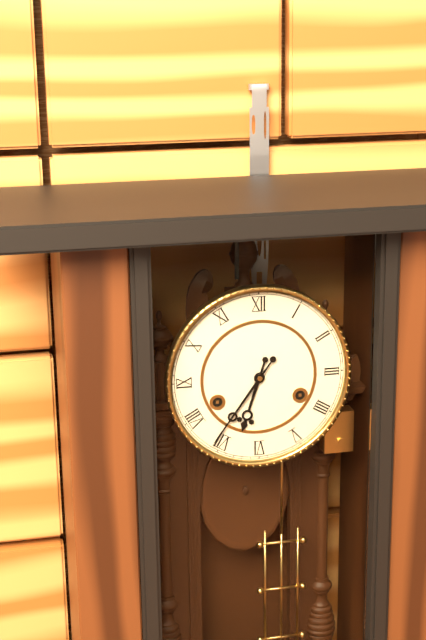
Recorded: 6:36
